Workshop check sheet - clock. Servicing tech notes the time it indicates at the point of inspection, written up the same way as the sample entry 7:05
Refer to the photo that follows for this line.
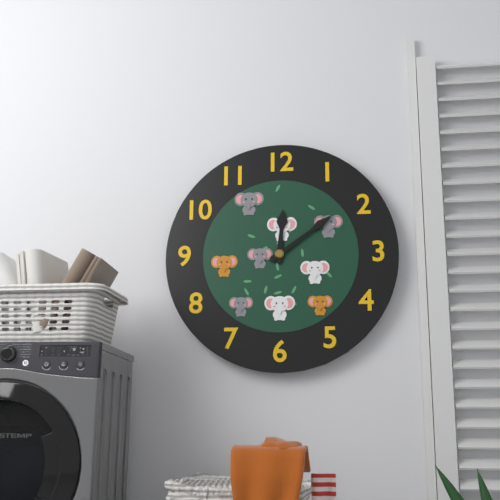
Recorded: 12:09
